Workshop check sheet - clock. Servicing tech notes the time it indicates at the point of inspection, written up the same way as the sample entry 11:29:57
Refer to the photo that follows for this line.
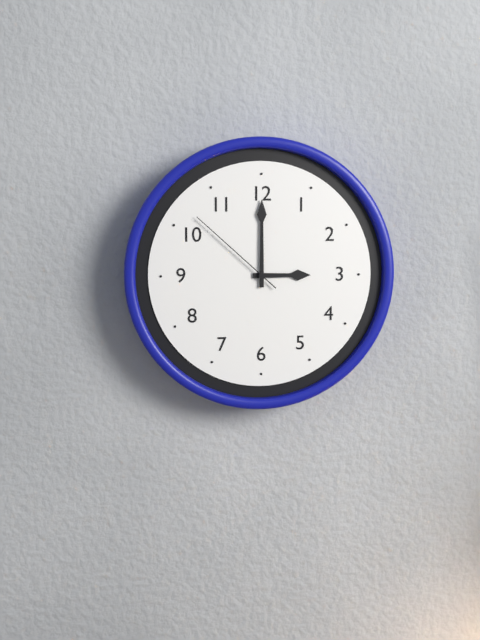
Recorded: 3:00:52
